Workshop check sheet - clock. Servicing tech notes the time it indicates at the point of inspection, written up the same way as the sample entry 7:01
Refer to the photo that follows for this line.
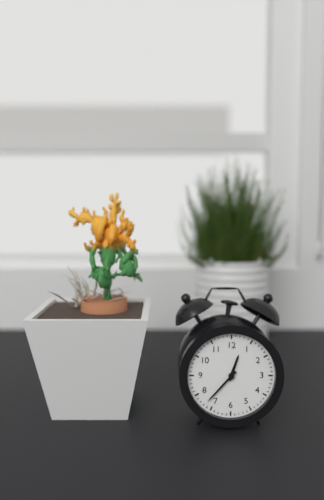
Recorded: 12:37
